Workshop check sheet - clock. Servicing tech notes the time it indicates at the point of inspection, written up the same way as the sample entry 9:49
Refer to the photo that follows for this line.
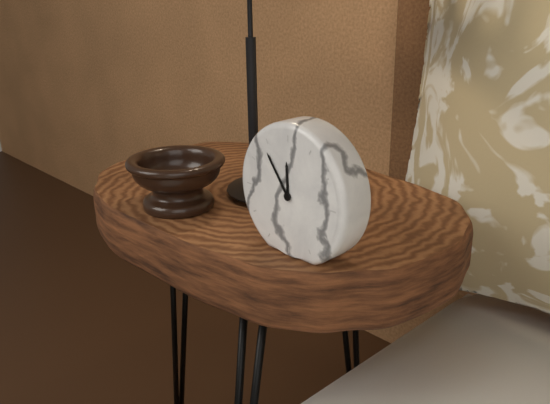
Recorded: 11:54
